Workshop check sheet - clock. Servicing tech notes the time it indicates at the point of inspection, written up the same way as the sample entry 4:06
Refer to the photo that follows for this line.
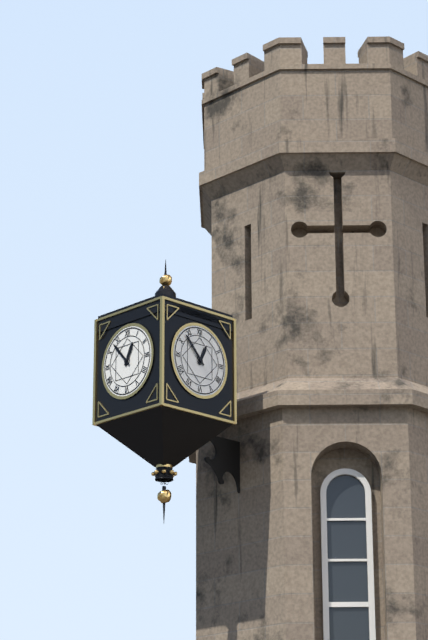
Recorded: 12:53
